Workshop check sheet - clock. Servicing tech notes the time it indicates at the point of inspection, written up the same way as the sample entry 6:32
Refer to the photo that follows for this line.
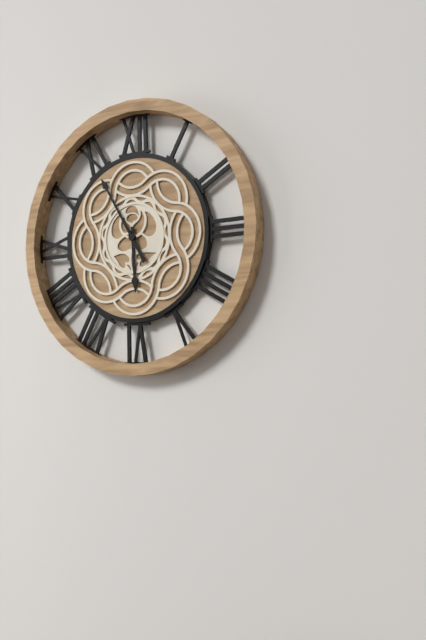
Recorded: 5:55
